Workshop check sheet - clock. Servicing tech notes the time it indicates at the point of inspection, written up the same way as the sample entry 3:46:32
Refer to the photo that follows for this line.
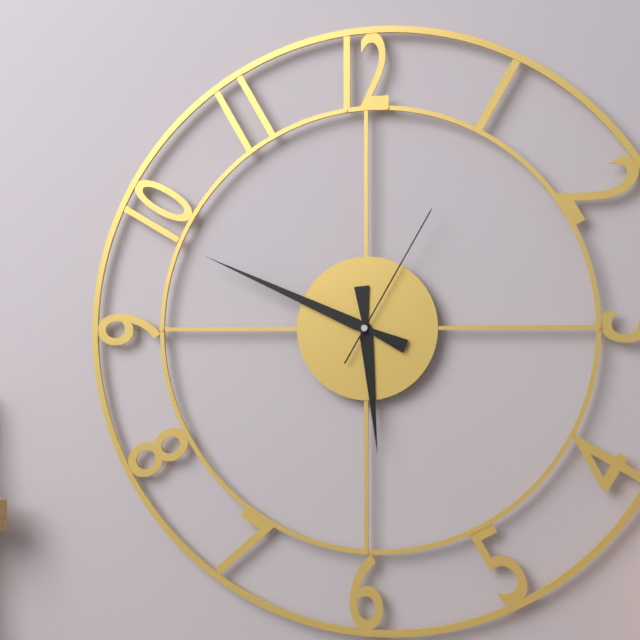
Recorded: 5:49:05
